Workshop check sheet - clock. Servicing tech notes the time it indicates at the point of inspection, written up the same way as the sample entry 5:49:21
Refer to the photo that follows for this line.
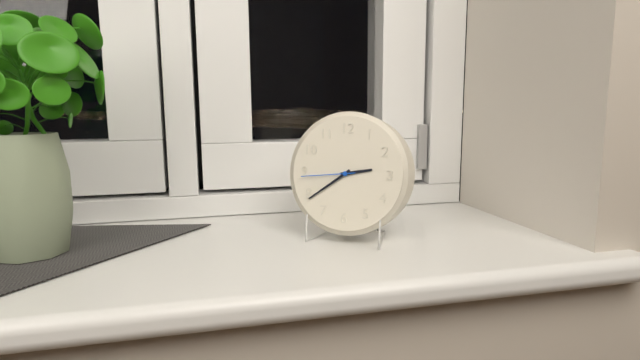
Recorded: 2:39:44
